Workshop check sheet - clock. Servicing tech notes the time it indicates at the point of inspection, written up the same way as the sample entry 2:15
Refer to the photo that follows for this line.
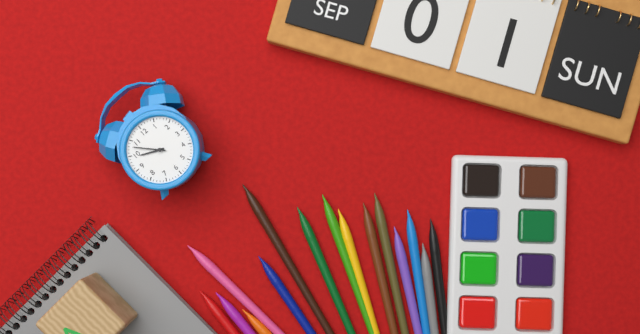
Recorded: 9:53
